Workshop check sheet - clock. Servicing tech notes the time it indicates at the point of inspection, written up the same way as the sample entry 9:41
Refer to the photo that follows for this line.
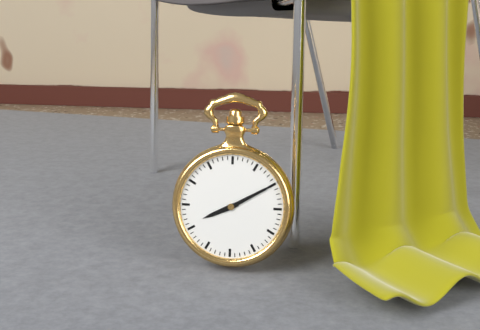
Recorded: 8:10
